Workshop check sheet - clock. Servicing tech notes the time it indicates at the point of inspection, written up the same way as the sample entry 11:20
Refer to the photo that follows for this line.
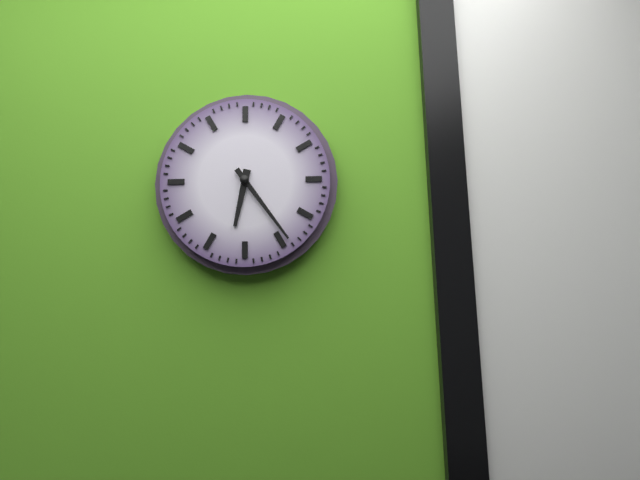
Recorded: 6:24
